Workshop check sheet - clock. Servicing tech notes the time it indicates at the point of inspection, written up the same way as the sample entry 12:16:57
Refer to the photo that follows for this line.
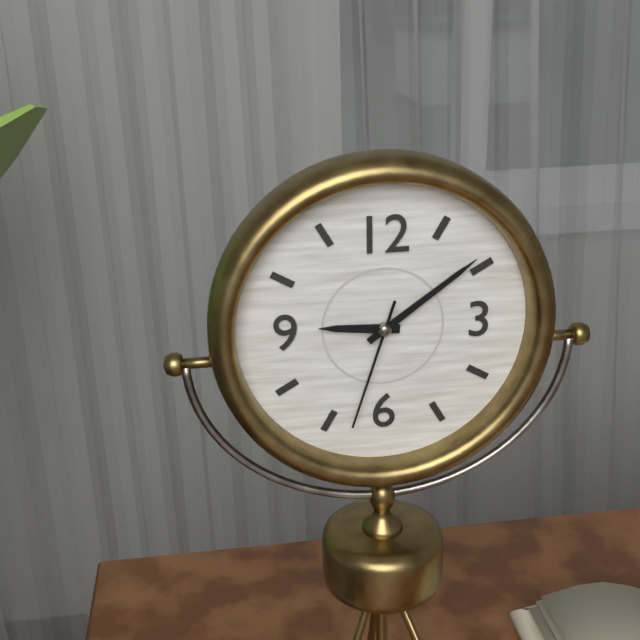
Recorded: 9:09:33
